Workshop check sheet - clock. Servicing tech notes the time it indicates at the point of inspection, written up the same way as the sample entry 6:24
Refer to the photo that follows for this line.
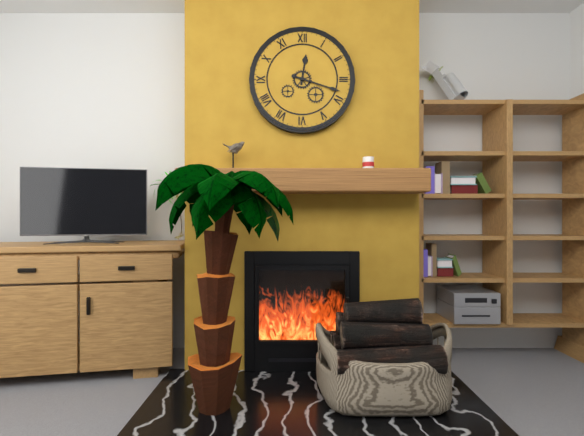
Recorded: 12:18
